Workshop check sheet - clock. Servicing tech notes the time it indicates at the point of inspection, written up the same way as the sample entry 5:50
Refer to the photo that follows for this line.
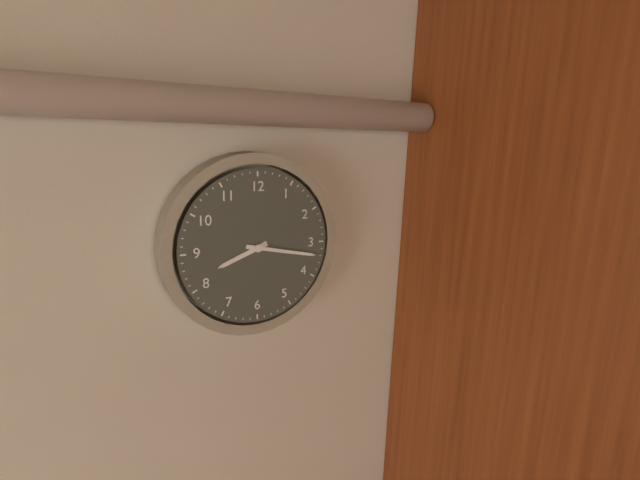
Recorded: 8:17
